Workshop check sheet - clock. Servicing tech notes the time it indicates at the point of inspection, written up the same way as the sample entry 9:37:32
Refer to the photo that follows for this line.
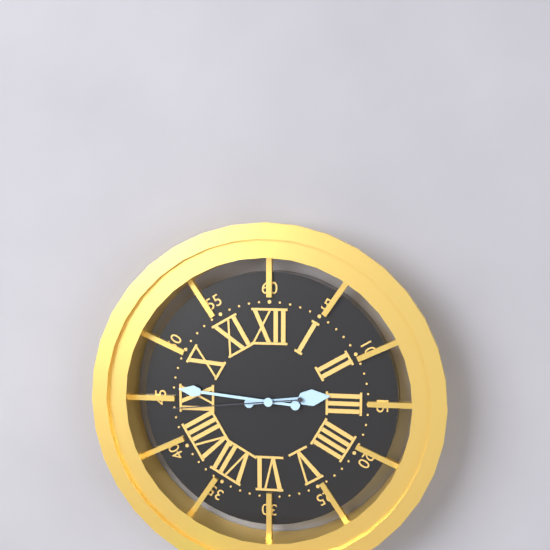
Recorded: 2:46:44
